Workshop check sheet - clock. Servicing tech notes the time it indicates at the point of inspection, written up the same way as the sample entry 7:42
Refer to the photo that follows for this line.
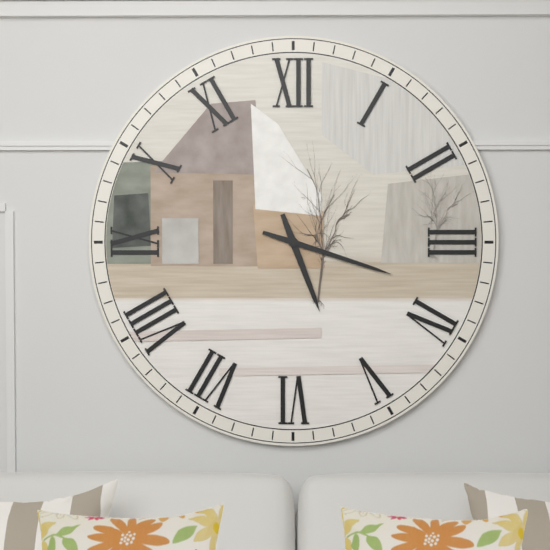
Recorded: 5:18
